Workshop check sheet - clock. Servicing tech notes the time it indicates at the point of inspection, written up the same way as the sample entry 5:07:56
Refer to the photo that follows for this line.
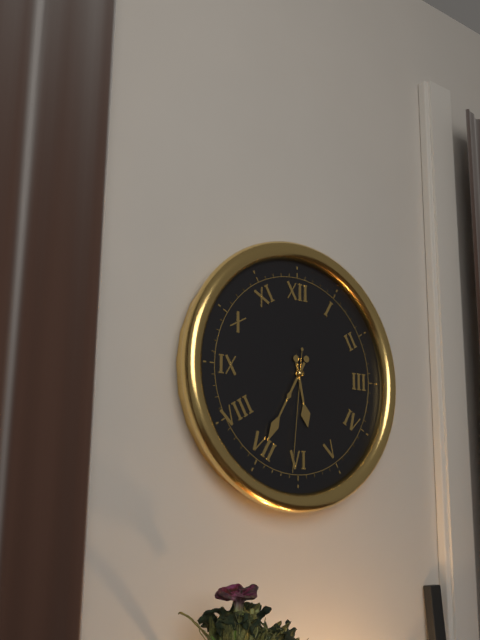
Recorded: 5:35:31
